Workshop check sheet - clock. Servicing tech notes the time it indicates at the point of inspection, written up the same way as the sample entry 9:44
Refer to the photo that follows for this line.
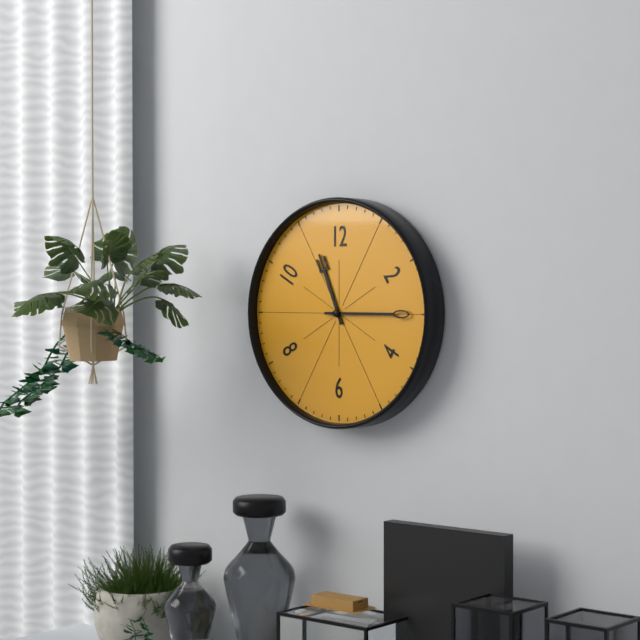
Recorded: 11:15
